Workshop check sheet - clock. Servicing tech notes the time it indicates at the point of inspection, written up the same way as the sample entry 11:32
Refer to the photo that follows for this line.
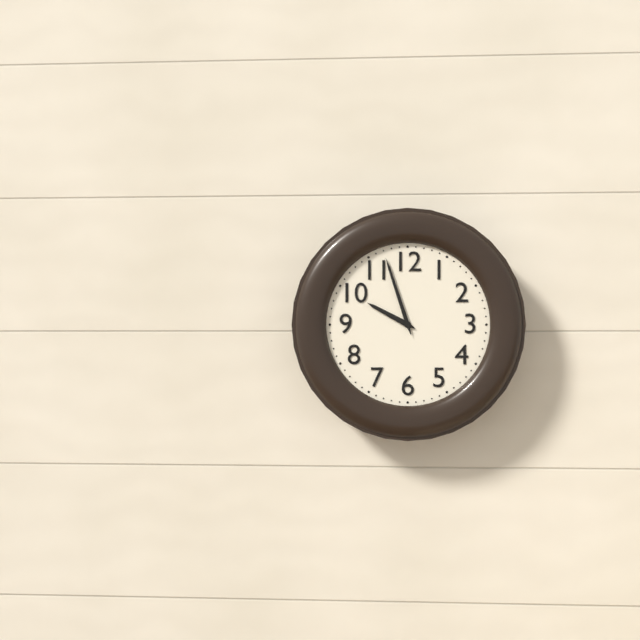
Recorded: 9:57
